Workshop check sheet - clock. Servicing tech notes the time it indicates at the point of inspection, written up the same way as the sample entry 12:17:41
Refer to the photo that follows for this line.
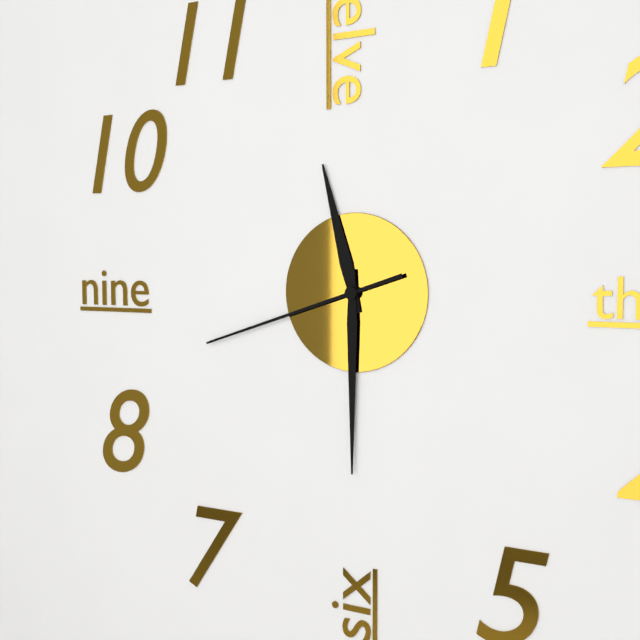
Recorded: 11:30:42
